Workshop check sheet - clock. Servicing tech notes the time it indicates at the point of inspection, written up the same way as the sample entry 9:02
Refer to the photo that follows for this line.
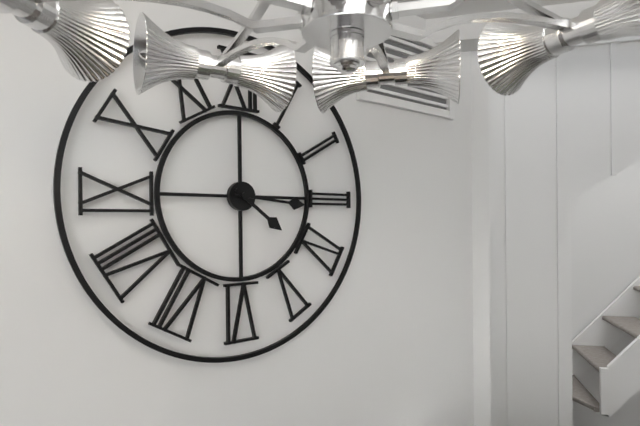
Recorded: 4:16
